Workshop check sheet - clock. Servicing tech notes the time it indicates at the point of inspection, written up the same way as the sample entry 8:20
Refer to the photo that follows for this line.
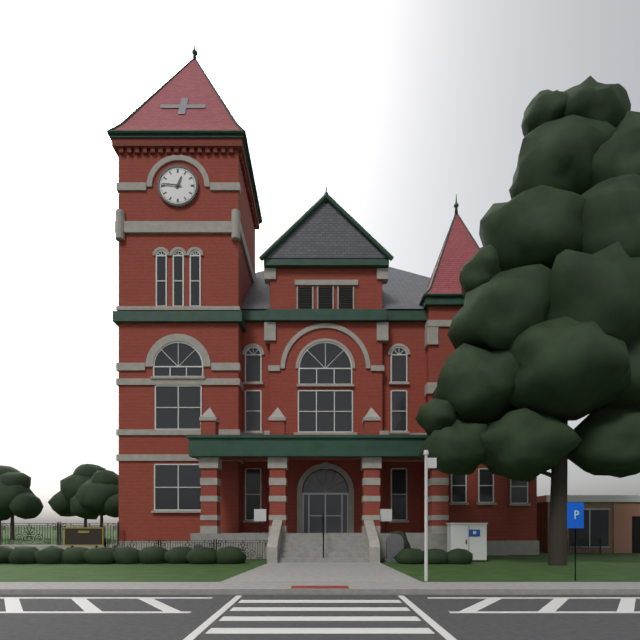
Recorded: 12:46
